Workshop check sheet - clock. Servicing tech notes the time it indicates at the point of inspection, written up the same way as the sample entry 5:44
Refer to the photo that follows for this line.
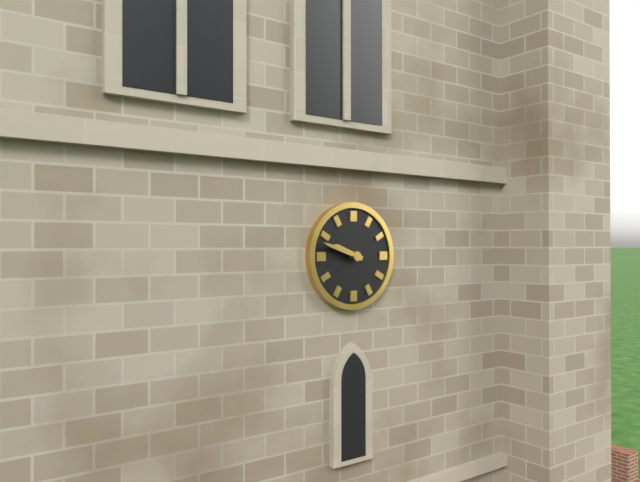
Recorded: 9:48
